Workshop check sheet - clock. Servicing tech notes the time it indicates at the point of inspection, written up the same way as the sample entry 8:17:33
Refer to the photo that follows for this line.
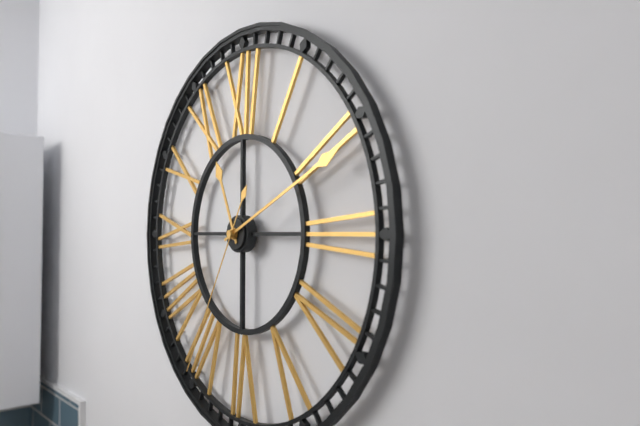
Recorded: 11:11:35
